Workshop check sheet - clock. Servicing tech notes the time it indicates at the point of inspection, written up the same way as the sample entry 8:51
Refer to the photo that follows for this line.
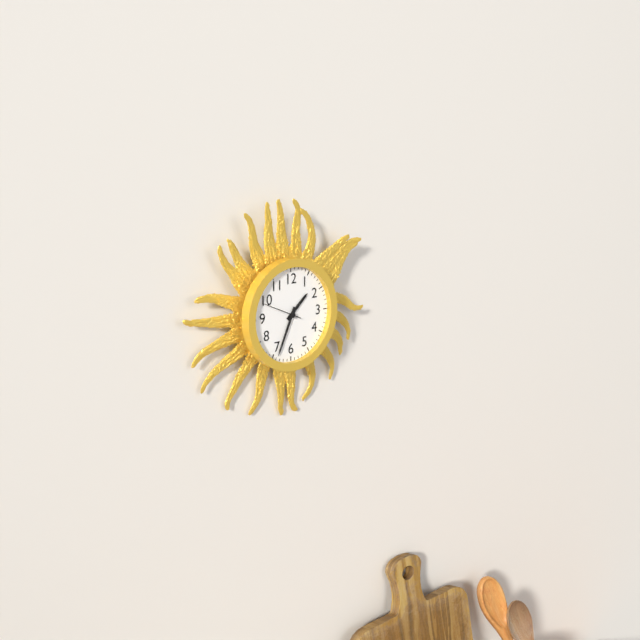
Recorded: 1:34
